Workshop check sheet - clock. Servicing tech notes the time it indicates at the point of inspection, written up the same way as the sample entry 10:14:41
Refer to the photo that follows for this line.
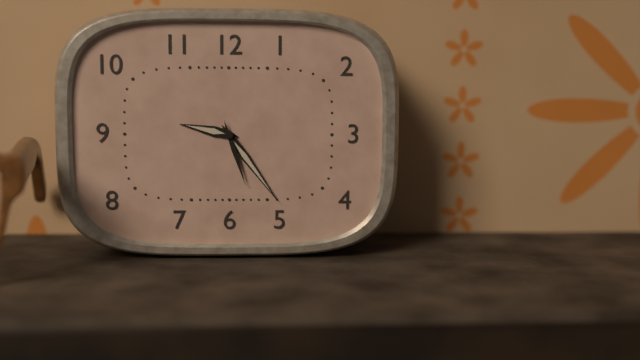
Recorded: 9:24:27
